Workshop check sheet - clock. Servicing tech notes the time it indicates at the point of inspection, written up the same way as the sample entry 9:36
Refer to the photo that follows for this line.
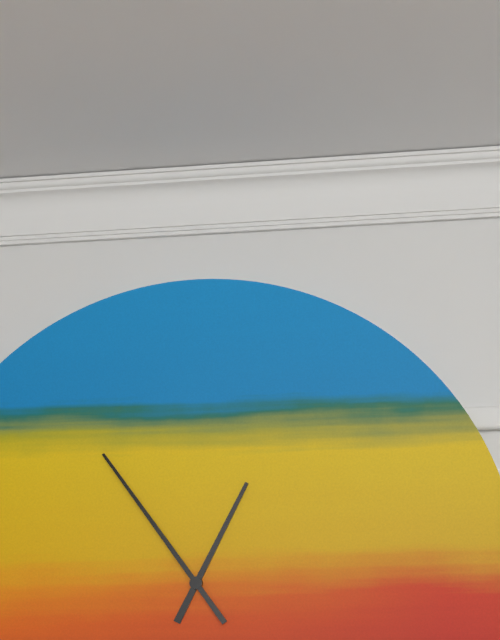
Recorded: 12:54
